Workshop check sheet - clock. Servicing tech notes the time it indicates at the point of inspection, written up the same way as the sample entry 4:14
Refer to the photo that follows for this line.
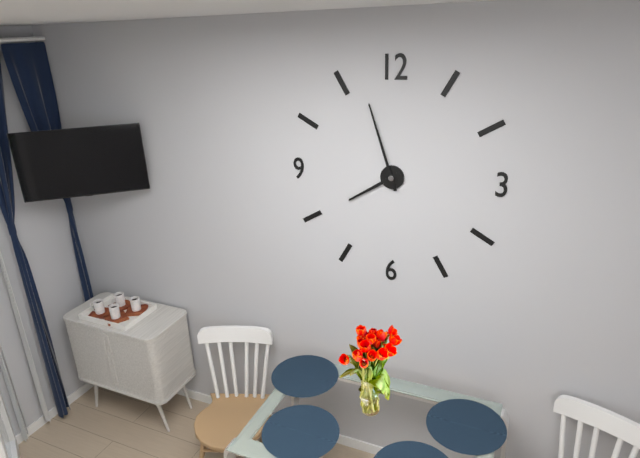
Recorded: 7:57
